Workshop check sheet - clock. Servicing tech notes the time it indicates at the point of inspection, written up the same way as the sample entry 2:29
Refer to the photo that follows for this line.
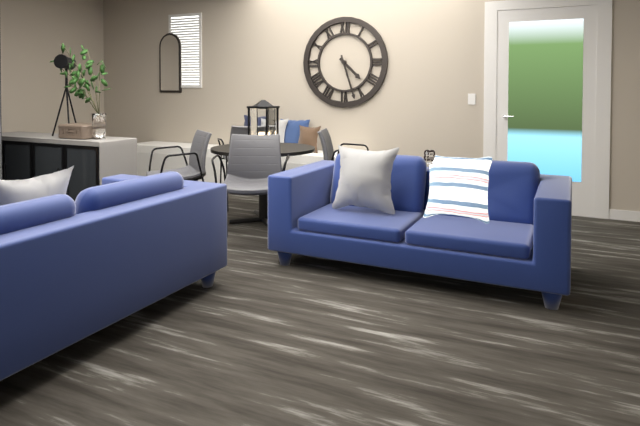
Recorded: 4:27
